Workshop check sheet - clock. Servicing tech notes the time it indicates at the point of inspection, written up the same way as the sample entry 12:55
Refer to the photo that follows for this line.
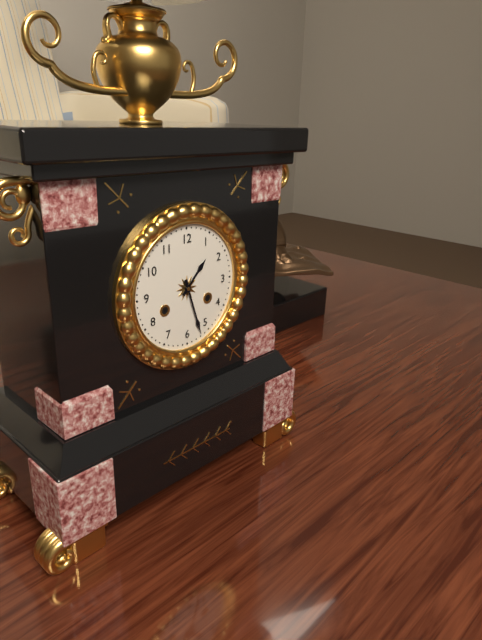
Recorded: 1:27
